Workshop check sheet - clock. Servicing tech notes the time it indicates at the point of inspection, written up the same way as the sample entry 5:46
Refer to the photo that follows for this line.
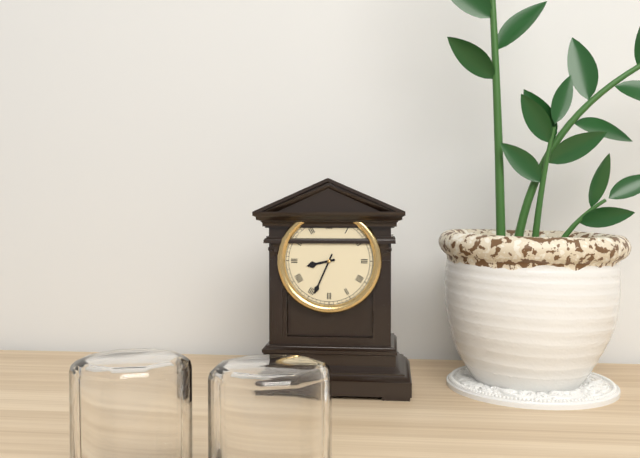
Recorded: 8:34
